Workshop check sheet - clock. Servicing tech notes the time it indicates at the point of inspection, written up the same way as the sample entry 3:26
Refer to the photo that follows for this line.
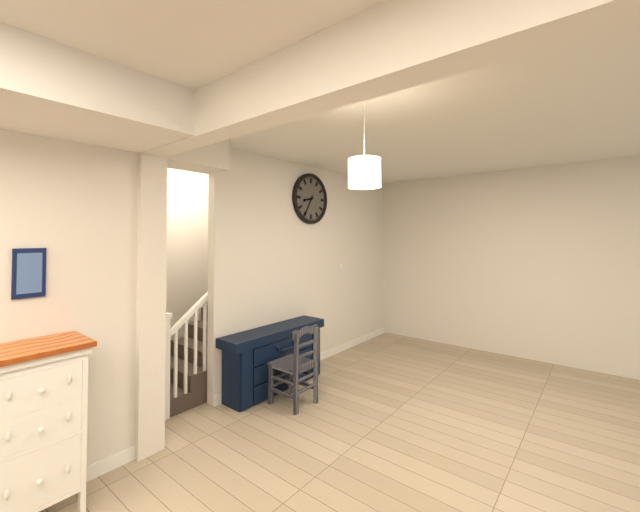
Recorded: 8:35
